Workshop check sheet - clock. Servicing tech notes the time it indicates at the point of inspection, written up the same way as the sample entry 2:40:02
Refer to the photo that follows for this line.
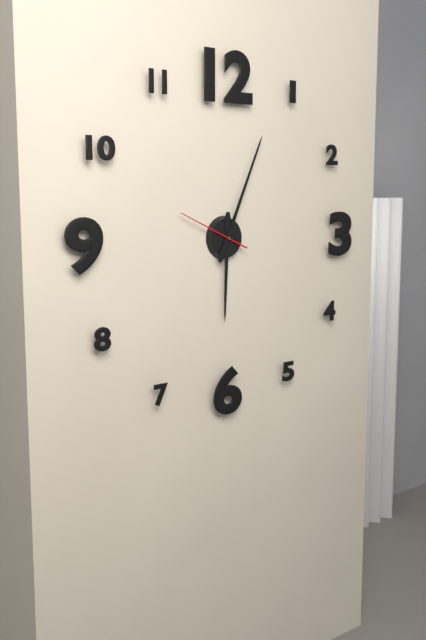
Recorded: 6:04:49
